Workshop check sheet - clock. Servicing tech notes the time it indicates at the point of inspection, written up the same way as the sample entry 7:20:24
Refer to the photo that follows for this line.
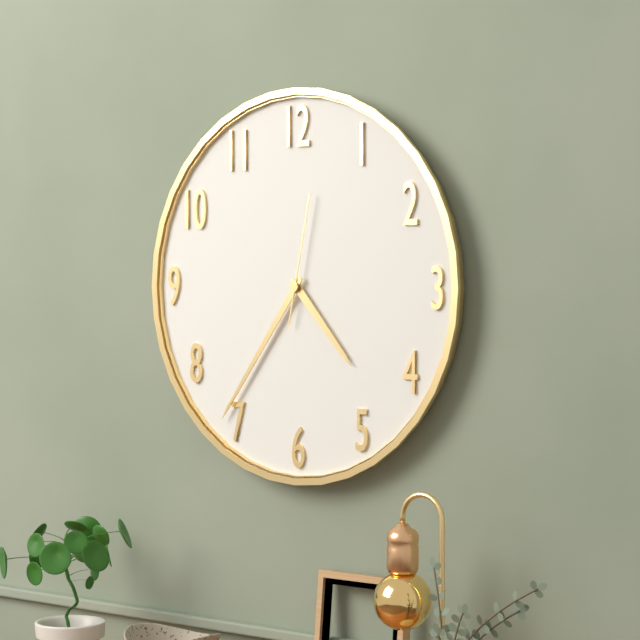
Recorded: 4:36:02
